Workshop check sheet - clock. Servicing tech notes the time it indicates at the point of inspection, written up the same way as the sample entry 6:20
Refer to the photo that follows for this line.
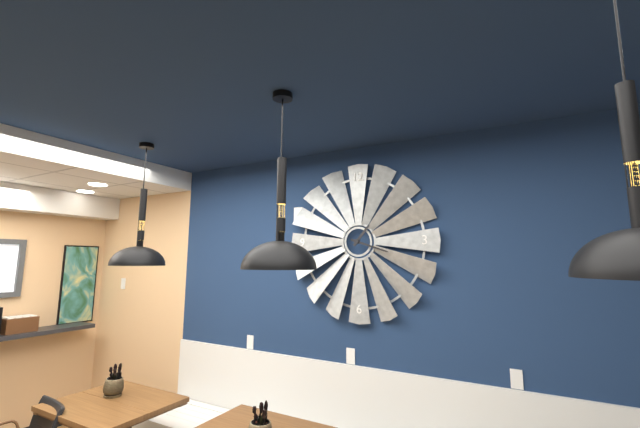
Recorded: 1:18
